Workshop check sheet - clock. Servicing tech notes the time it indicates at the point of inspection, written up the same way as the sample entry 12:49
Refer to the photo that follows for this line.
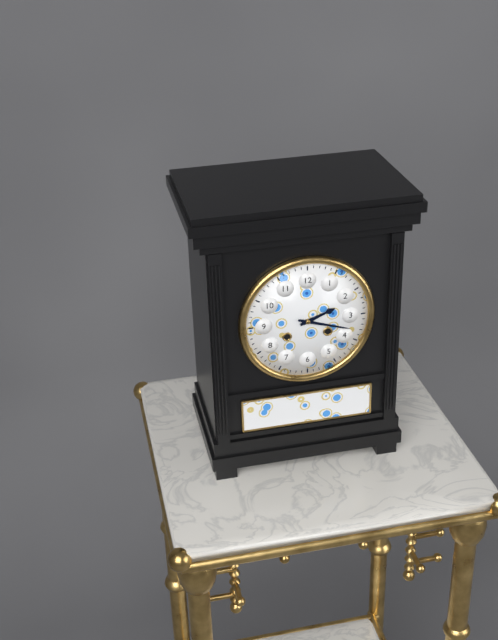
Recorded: 2:18
